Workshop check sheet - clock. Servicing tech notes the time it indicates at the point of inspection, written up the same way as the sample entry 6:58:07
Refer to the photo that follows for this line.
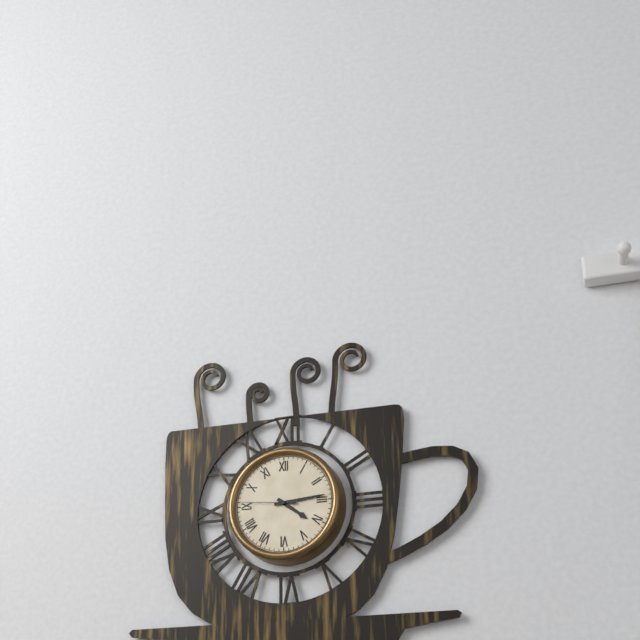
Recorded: 4:14:46
